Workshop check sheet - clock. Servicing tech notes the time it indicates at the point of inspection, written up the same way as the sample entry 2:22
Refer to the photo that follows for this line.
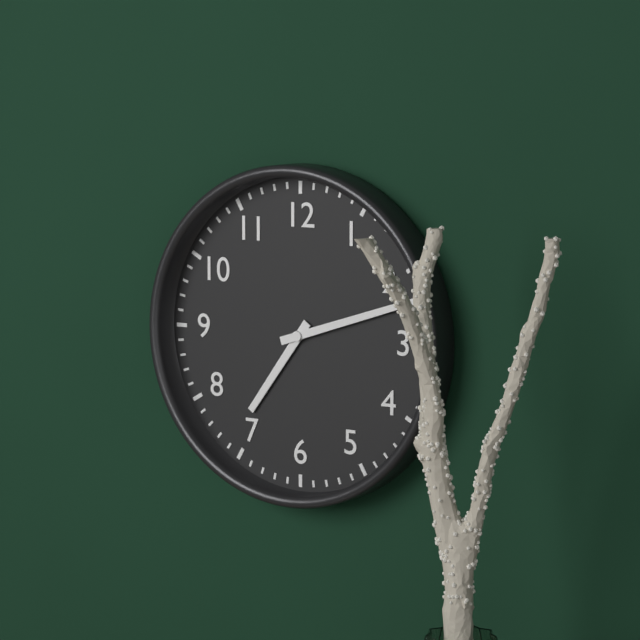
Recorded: 7:12
